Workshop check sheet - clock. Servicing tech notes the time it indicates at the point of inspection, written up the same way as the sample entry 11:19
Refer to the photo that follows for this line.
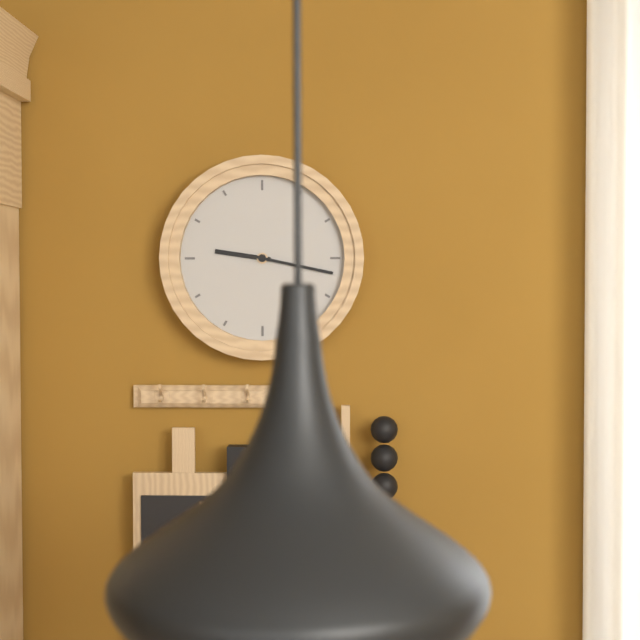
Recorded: 9:17
